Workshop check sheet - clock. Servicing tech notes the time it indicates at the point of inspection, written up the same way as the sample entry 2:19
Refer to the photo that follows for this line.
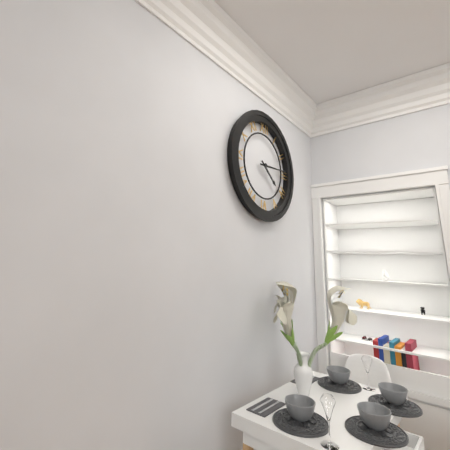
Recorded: 4:14
